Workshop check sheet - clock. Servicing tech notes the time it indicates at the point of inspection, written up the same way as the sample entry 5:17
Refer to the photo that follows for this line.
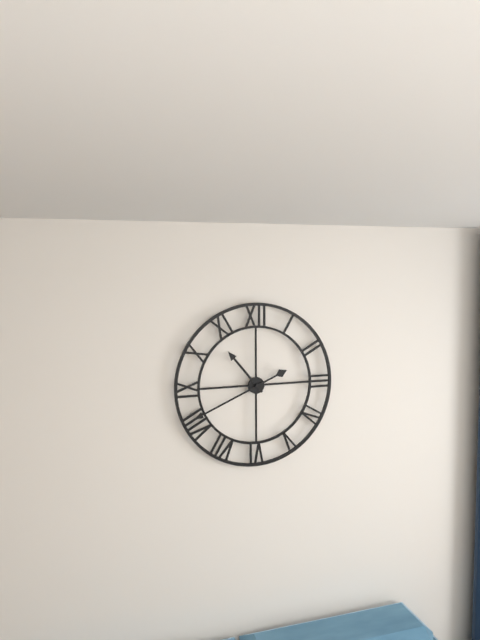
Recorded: 10:41
